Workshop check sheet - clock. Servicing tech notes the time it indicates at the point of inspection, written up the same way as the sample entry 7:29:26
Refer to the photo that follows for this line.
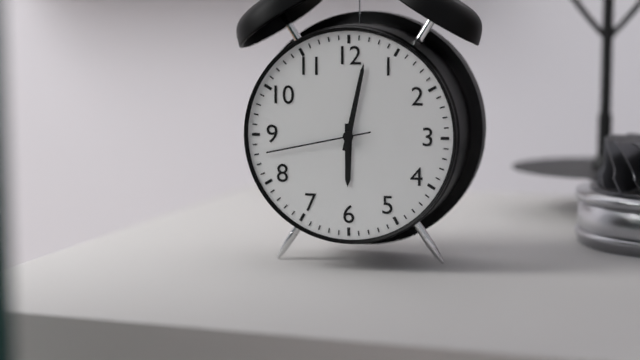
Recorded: 6:02:43
